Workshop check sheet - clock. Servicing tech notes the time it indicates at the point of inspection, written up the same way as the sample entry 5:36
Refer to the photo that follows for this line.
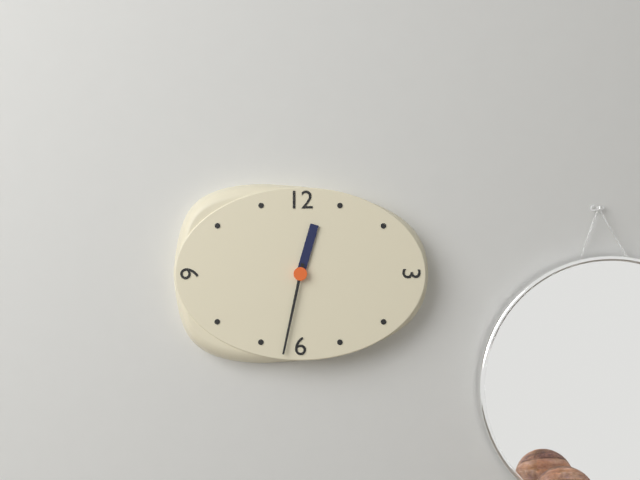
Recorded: 12:32
